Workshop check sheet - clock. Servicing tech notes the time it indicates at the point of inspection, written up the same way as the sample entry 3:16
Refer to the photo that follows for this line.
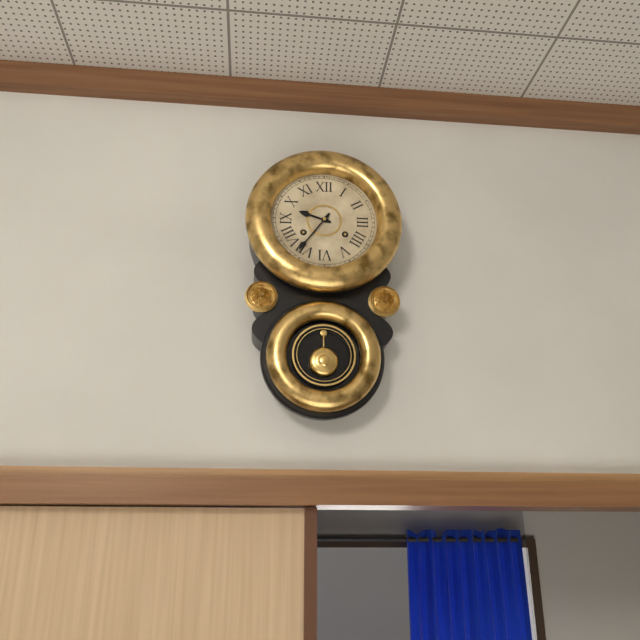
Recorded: 9:36
